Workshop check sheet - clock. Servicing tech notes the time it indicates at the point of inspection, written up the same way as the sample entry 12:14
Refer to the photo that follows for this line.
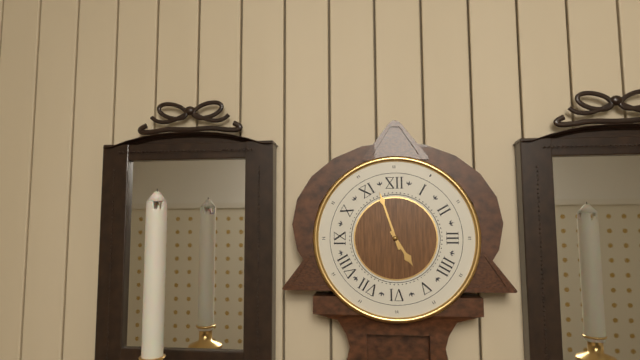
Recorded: 4:57
